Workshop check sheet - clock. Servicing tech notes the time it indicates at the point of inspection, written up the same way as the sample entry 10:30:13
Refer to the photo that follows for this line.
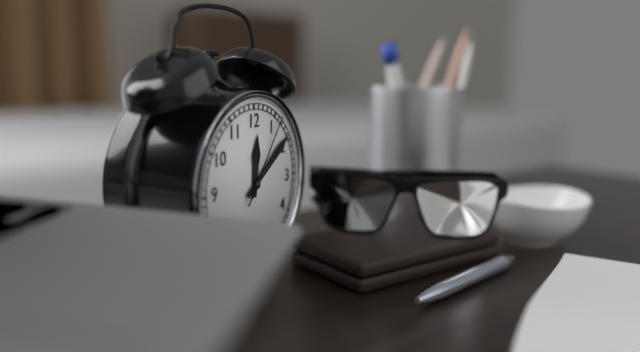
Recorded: 12:09:06
